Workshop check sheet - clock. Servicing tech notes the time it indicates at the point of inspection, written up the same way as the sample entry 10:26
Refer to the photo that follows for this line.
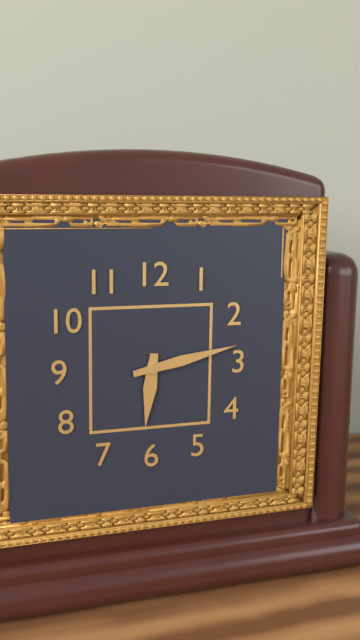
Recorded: 6:13
